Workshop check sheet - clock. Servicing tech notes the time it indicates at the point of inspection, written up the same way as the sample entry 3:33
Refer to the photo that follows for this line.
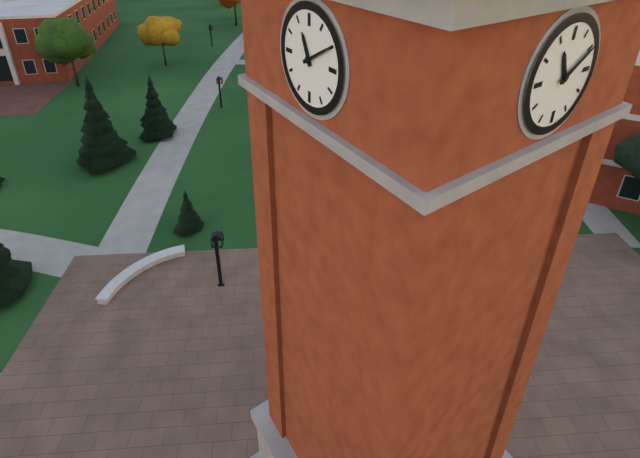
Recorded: 11:10
